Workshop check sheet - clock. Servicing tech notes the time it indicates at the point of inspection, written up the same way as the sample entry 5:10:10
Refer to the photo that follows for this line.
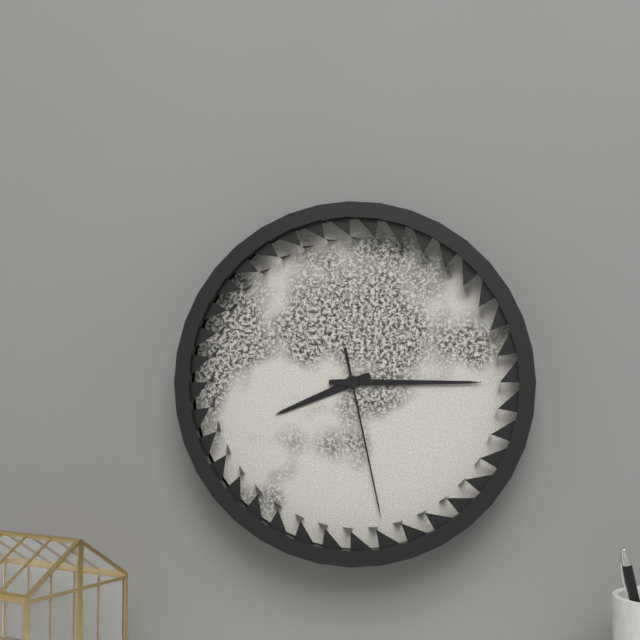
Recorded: 8:15:28
